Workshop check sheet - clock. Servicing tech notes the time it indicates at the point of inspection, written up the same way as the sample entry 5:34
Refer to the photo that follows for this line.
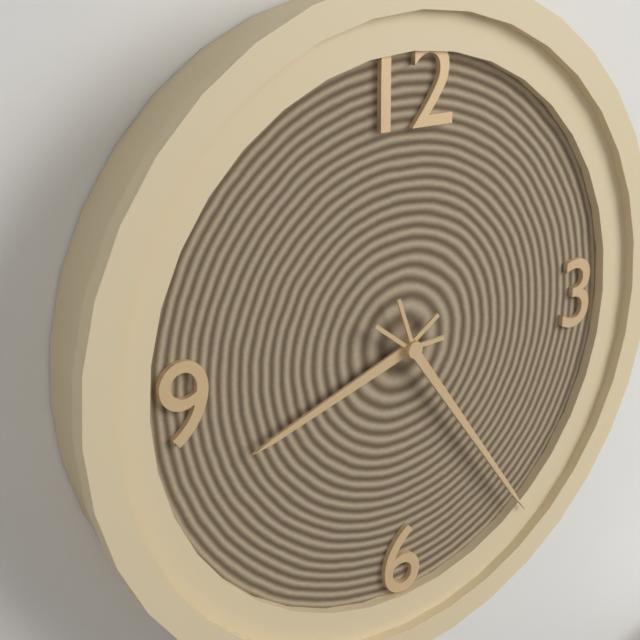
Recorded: 8:24
